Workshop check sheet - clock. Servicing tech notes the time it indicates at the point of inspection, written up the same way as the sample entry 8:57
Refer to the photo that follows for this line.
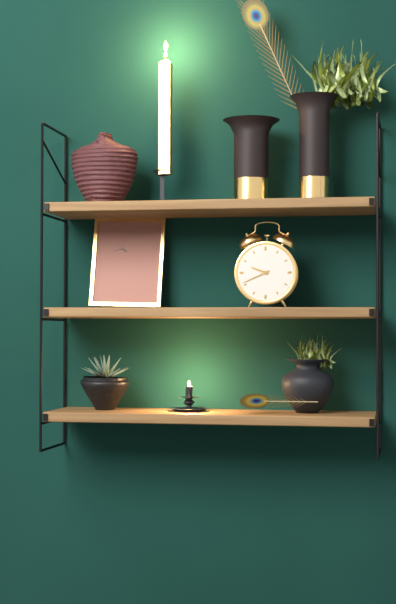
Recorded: 9:41
